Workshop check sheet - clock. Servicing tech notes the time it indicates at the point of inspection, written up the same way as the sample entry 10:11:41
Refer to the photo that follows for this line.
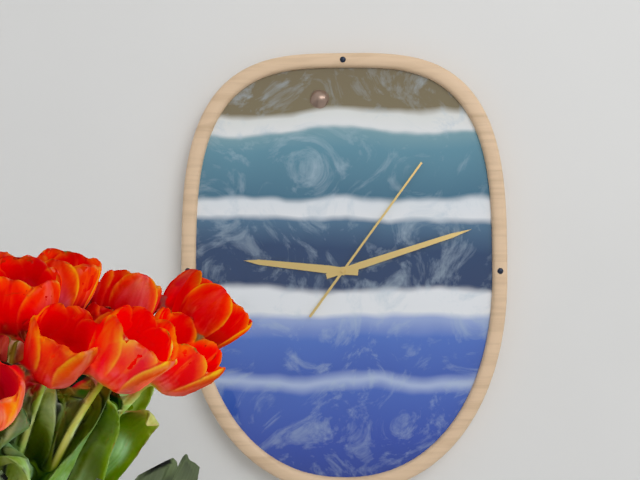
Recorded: 9:12:06
